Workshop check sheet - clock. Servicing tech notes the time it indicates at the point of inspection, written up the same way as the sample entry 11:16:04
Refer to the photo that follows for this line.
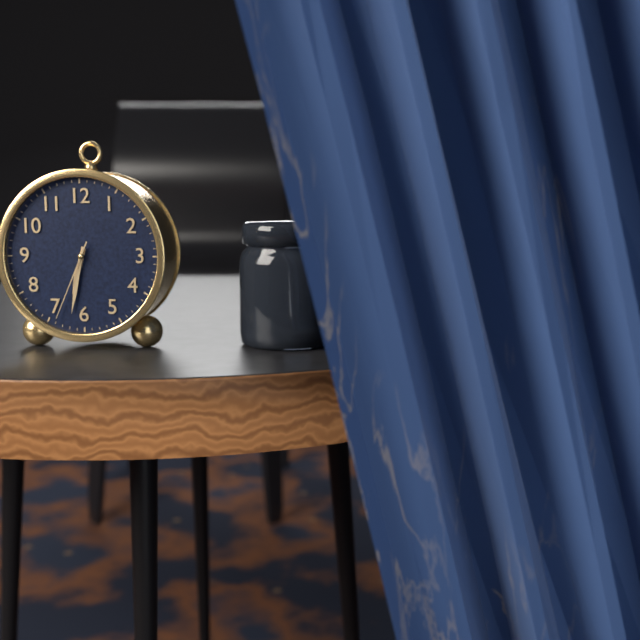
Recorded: 6:32:34
